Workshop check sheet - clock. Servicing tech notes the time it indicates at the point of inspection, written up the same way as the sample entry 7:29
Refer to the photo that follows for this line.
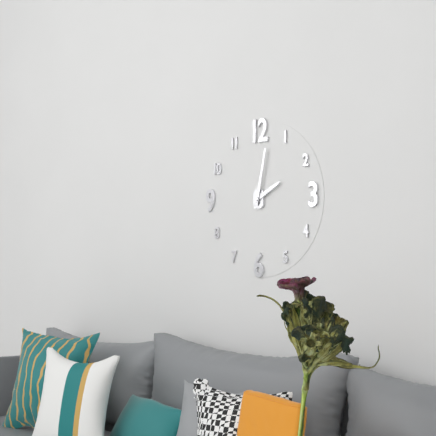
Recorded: 2:02
